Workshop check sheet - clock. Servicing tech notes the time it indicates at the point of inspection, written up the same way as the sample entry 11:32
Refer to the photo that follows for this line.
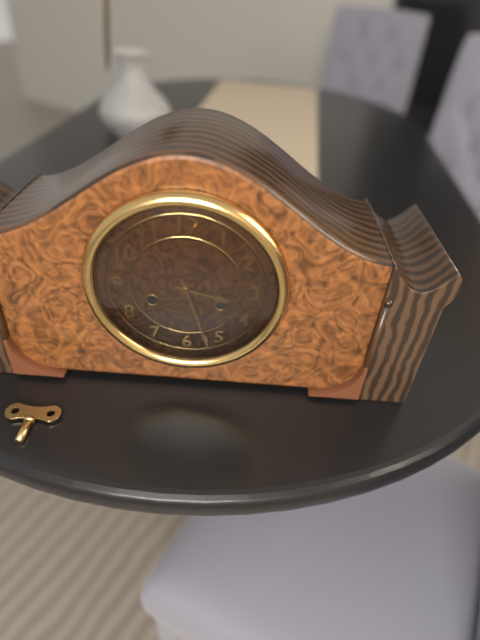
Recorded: 3:27
